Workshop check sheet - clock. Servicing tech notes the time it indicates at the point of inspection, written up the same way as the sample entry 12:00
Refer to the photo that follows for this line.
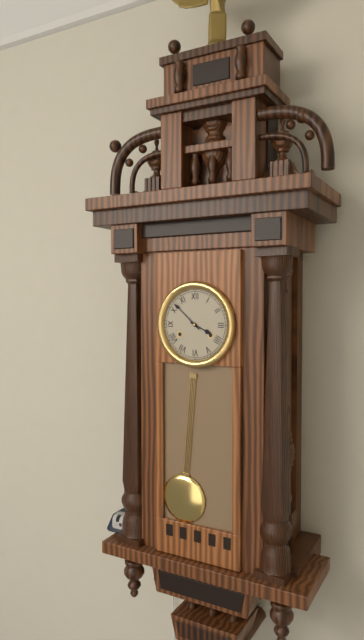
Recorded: 3:52
